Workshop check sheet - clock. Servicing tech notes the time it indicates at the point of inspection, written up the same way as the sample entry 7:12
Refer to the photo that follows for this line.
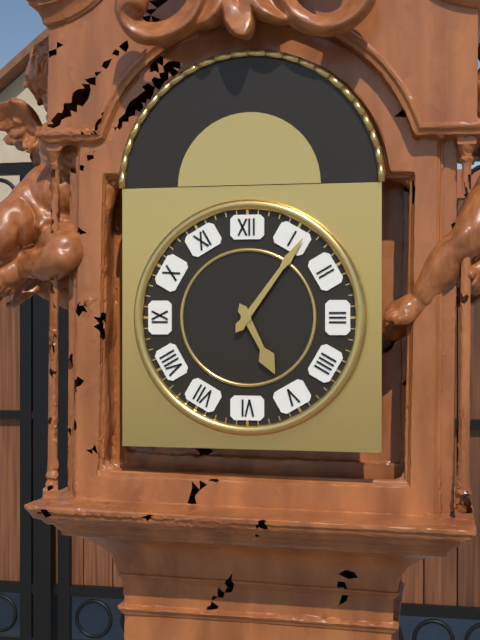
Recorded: 5:06
